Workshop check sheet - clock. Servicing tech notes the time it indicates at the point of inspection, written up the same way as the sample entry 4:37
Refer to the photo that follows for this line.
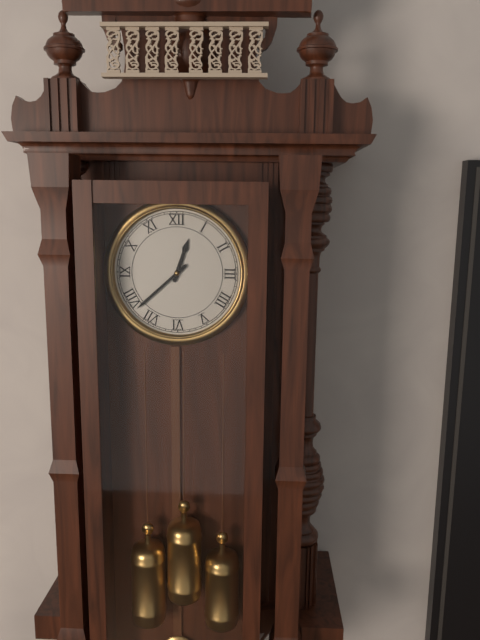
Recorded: 12:38
